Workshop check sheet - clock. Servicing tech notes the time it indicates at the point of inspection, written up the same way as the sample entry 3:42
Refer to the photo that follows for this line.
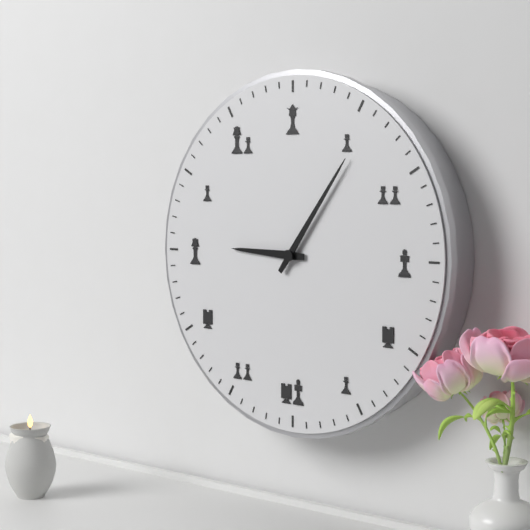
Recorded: 9:06
